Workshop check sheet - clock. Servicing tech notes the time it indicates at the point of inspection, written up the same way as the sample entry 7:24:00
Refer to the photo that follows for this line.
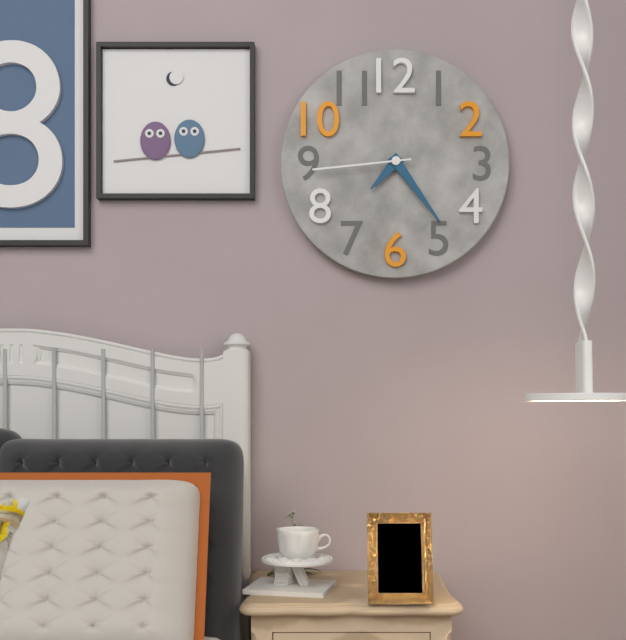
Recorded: 7:24:44
